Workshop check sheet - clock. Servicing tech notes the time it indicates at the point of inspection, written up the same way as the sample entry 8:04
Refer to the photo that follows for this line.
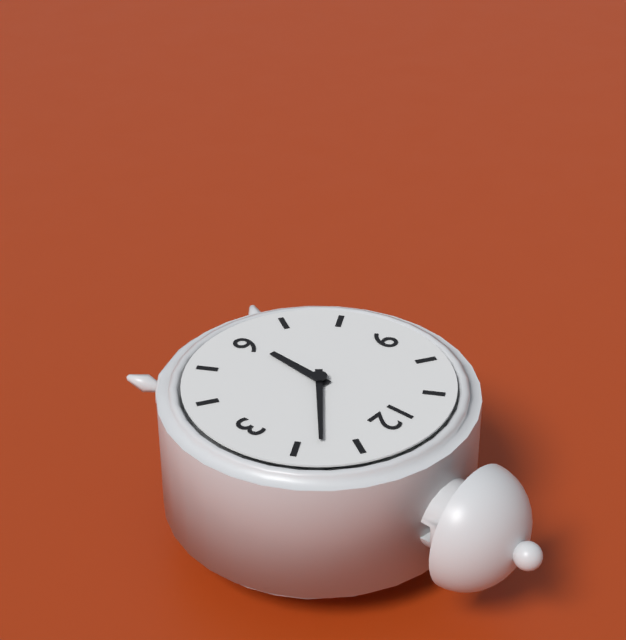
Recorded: 6:08
